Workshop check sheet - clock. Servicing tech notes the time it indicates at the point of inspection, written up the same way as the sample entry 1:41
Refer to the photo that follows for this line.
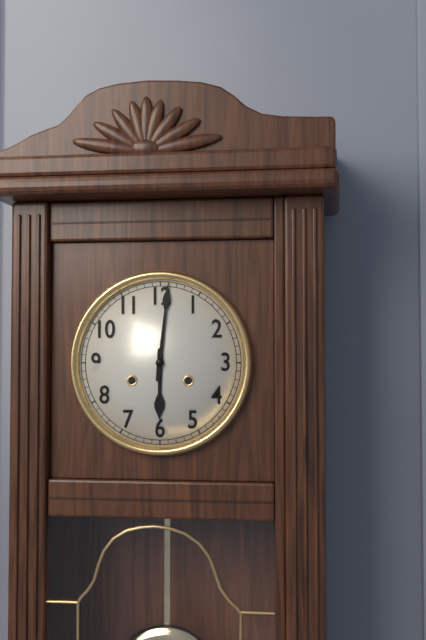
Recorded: 6:01
